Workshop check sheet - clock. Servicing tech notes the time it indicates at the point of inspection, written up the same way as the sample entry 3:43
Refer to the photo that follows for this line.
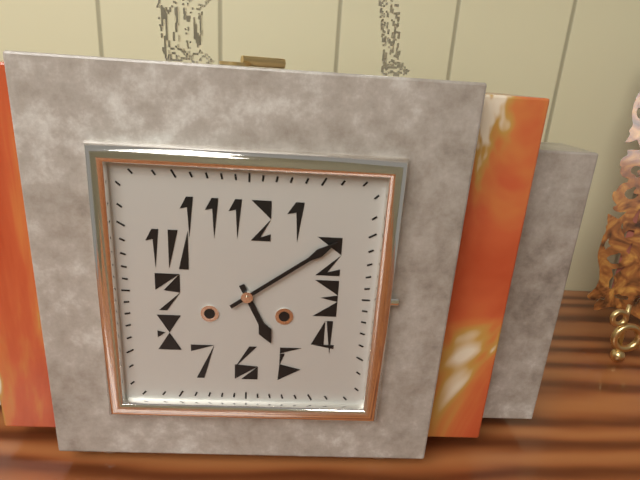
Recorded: 5:09
